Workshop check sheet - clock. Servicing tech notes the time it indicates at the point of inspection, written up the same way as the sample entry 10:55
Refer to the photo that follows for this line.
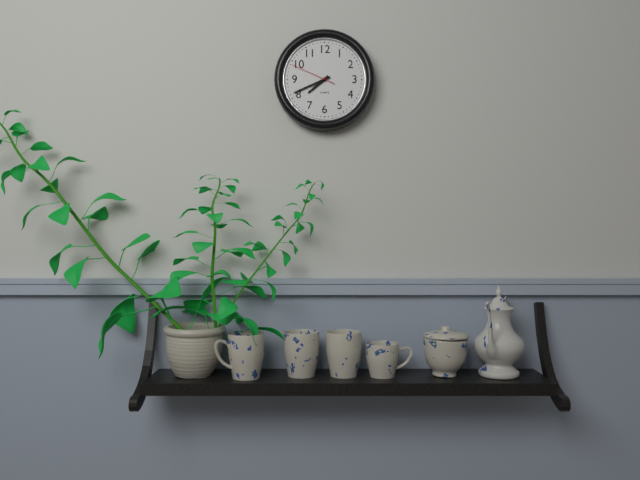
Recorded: 7:41
